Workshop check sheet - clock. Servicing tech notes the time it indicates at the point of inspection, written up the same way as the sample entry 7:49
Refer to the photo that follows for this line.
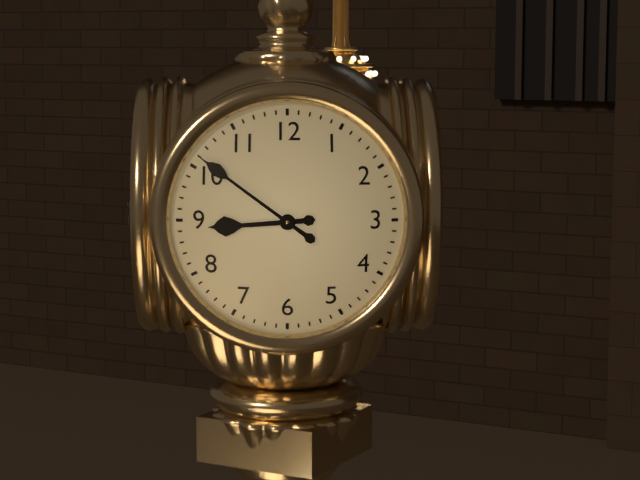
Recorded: 8:51
